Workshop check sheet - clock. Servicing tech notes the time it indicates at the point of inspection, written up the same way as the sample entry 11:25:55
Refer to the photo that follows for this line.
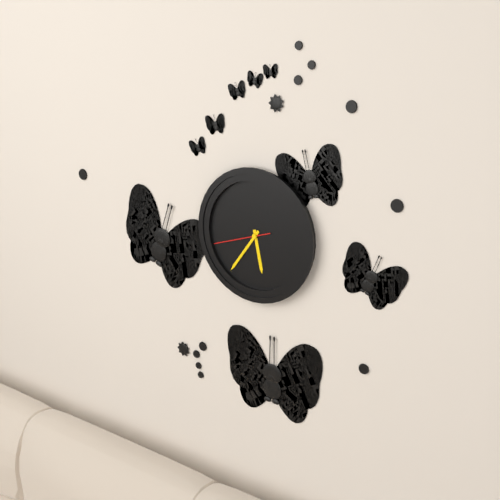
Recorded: 5:36:42
